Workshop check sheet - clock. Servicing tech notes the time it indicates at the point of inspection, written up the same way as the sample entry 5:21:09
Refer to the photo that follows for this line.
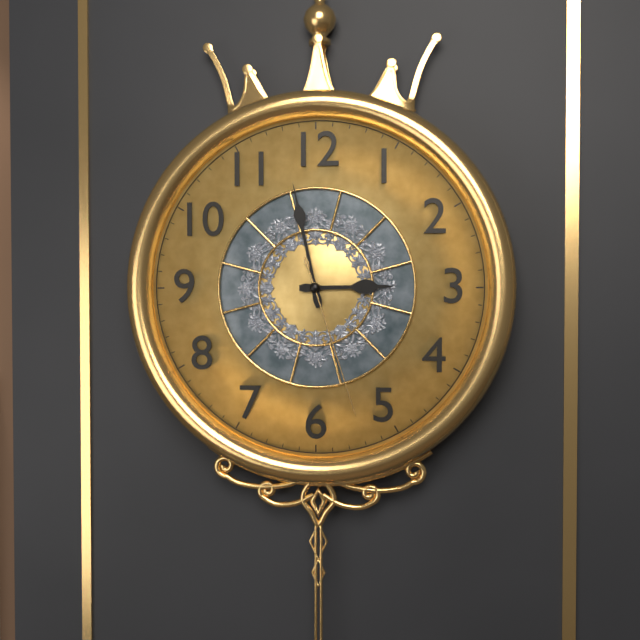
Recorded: 2:58:27
